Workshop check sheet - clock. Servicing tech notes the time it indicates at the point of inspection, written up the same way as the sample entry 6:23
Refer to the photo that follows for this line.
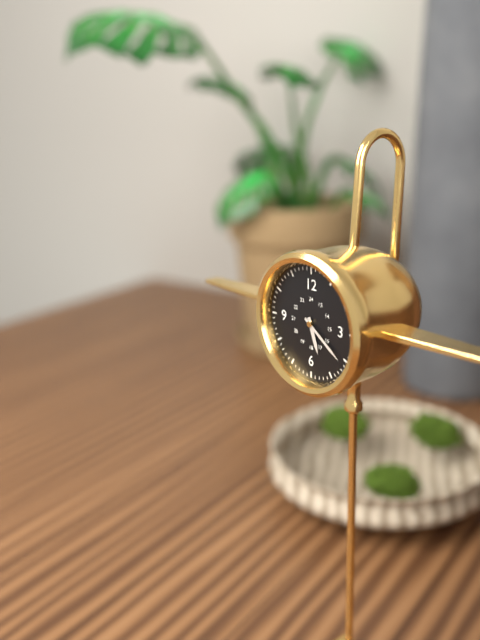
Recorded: 5:21
